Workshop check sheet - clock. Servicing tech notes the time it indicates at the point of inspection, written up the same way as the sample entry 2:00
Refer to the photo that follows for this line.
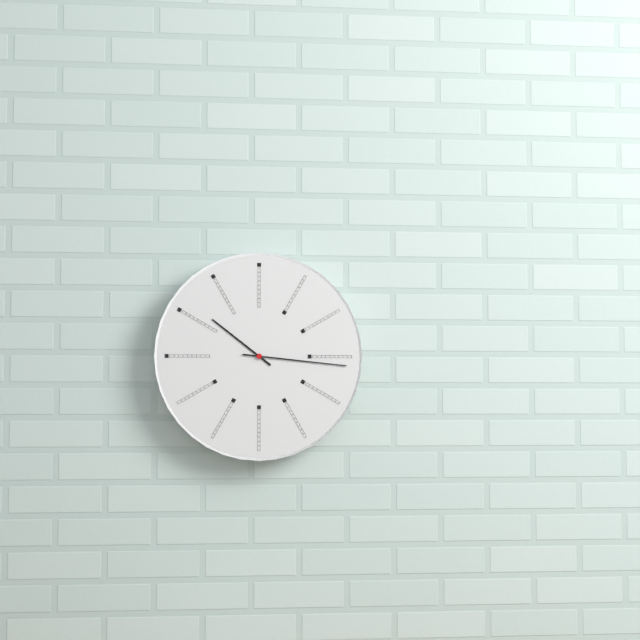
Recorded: 10:16
